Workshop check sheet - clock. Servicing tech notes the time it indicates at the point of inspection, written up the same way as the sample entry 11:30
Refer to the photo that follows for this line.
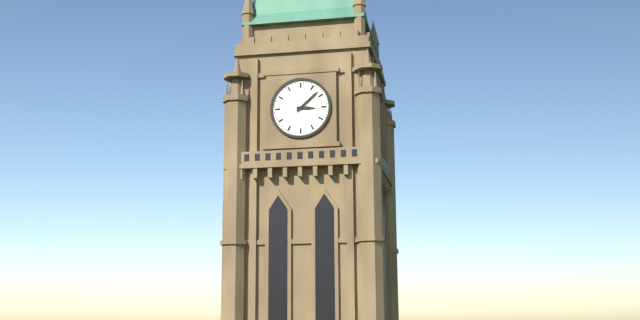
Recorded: 3:08
